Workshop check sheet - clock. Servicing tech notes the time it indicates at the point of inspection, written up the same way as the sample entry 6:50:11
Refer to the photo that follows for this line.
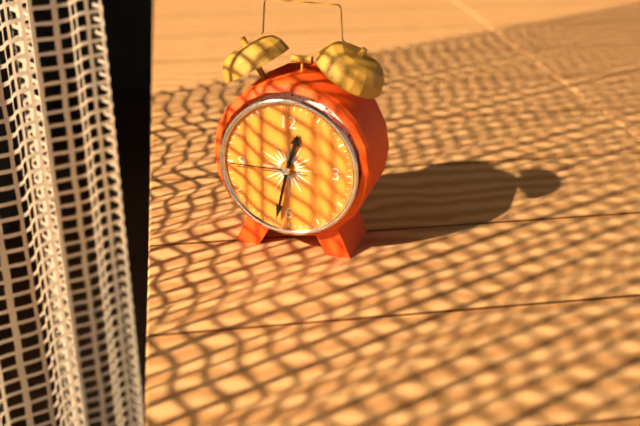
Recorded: 12:32:45
